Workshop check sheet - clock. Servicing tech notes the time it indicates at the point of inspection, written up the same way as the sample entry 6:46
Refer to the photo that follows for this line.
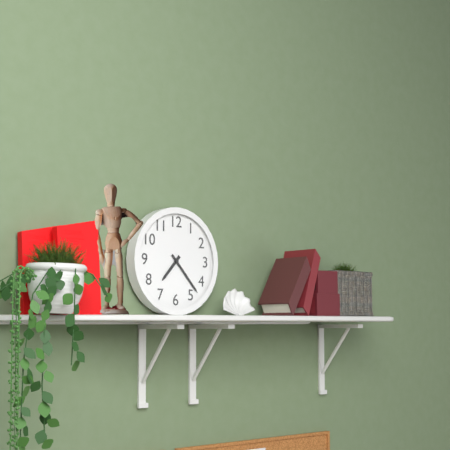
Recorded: 7:23
